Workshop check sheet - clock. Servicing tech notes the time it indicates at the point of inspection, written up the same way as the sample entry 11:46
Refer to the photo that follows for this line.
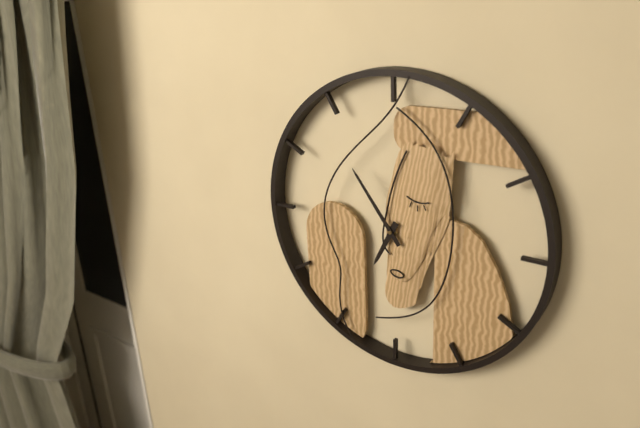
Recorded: 6:54
